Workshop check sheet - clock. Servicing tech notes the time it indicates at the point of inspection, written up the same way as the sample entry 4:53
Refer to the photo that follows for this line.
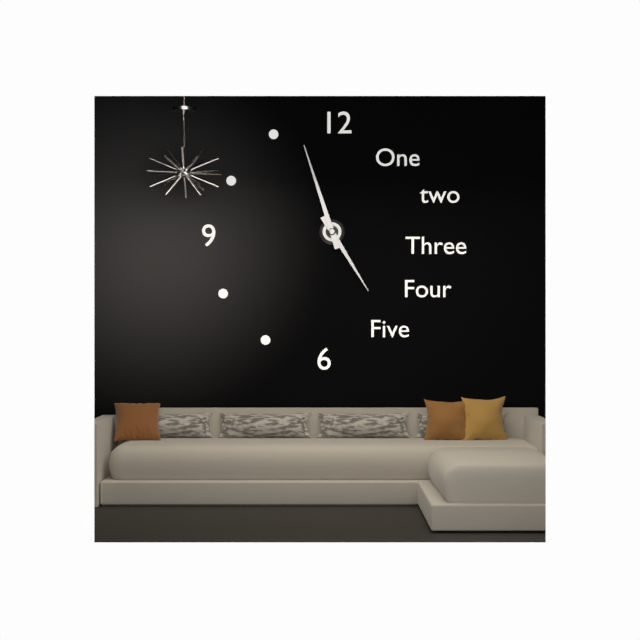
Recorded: 4:57
